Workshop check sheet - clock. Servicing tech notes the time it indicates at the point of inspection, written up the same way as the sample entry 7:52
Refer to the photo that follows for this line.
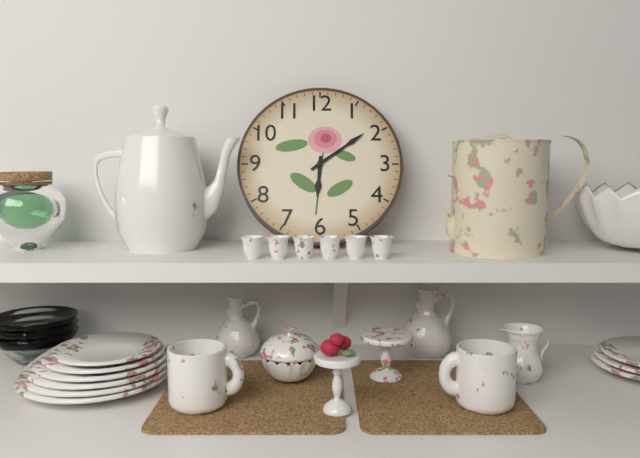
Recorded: 6:09
